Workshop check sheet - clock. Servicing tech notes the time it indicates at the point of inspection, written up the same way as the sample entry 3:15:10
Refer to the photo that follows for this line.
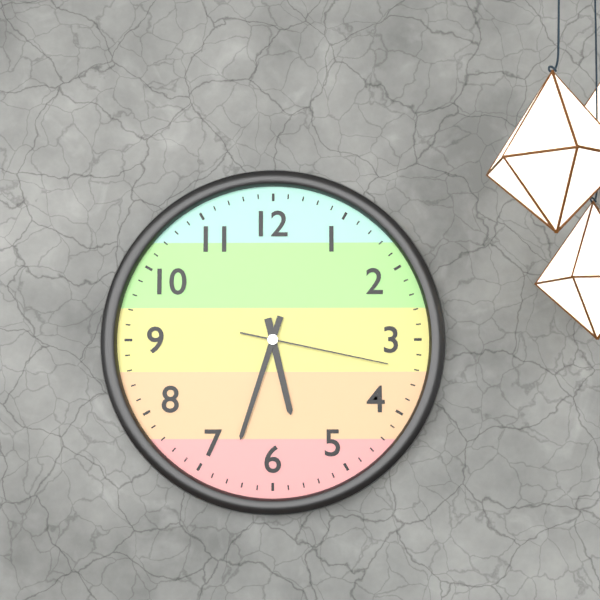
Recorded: 5:33:17
